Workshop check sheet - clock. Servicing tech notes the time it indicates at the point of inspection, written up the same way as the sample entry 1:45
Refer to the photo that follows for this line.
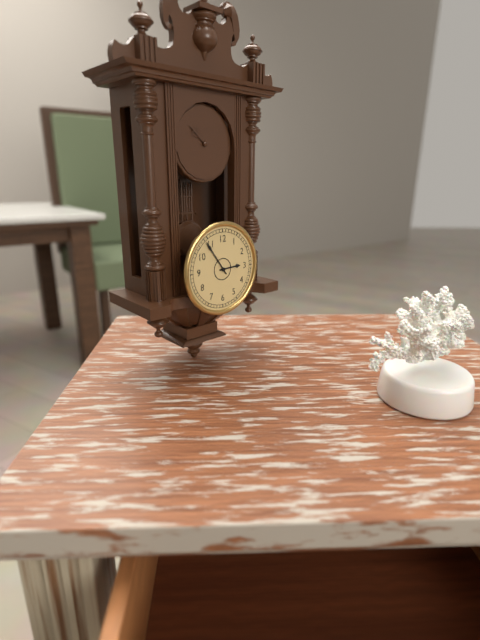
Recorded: 2:54
